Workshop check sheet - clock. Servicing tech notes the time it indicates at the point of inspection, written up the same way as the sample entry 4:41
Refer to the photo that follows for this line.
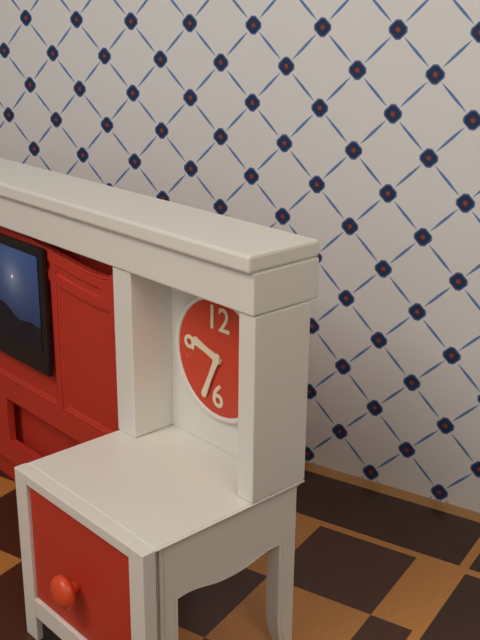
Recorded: 9:34
